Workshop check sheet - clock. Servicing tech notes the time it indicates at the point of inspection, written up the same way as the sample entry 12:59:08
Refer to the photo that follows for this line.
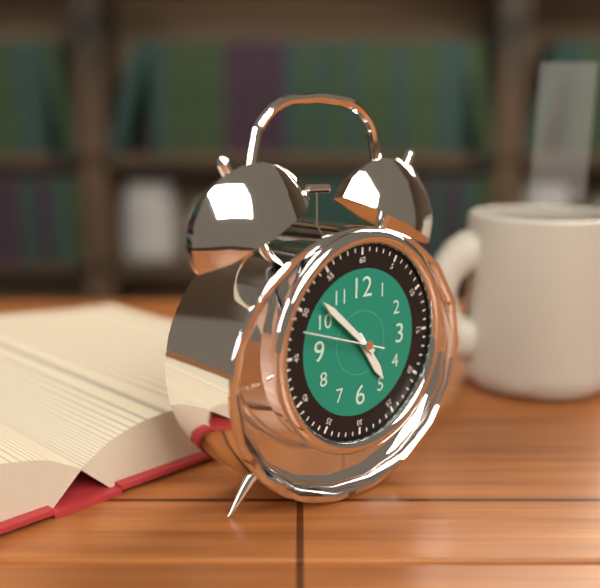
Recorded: 4:52:48
